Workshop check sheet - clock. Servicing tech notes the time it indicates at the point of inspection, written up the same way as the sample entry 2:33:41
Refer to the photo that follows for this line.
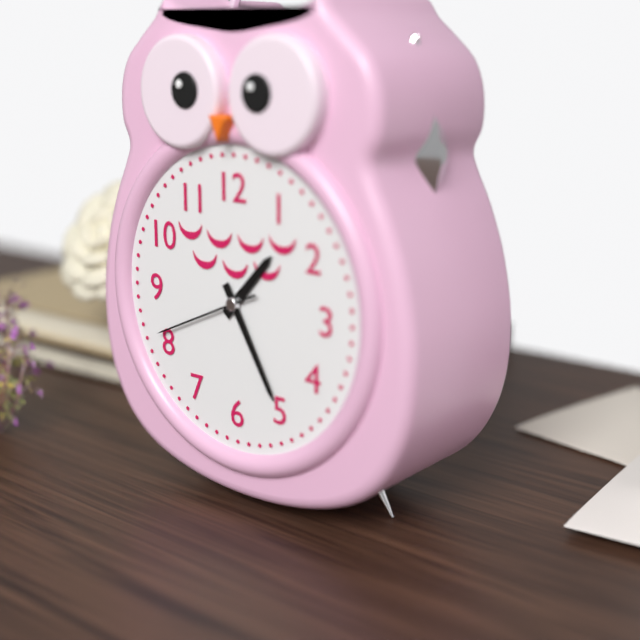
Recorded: 1:25:41
